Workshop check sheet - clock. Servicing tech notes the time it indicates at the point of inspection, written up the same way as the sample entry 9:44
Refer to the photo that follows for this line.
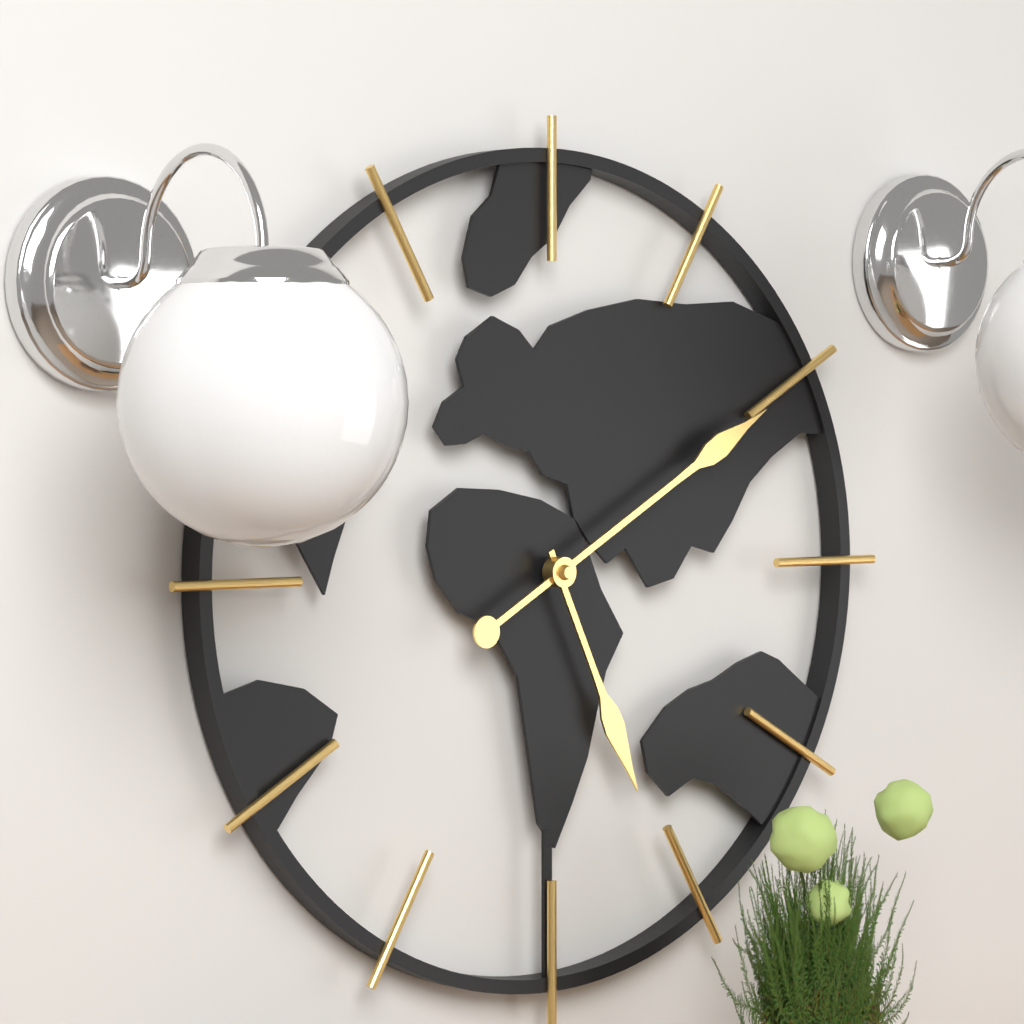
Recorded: 5:10
